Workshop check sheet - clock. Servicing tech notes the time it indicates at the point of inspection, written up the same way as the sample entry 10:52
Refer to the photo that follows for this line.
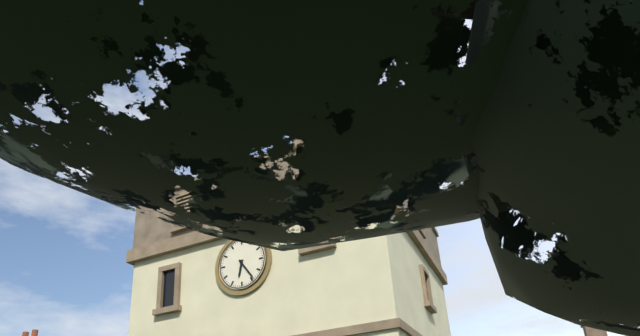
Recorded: 6:24
